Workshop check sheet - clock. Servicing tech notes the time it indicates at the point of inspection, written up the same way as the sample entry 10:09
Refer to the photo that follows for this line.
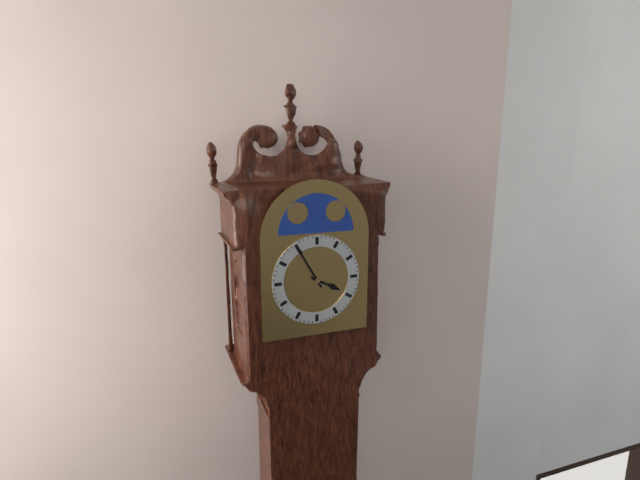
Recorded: 3:55
